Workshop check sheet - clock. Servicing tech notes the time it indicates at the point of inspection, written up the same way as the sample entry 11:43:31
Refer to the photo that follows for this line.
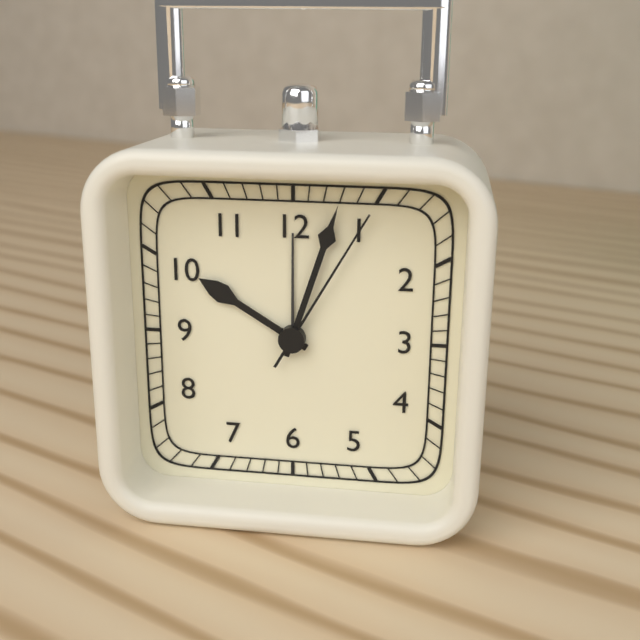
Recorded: 10:03:05
